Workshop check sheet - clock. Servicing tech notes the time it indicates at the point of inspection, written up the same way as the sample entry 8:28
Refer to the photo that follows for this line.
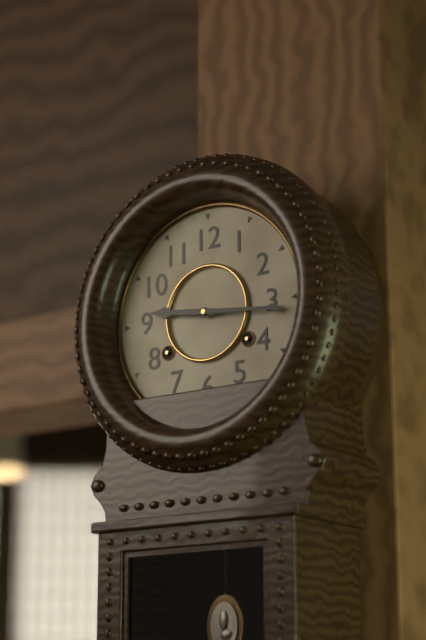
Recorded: 9:16
